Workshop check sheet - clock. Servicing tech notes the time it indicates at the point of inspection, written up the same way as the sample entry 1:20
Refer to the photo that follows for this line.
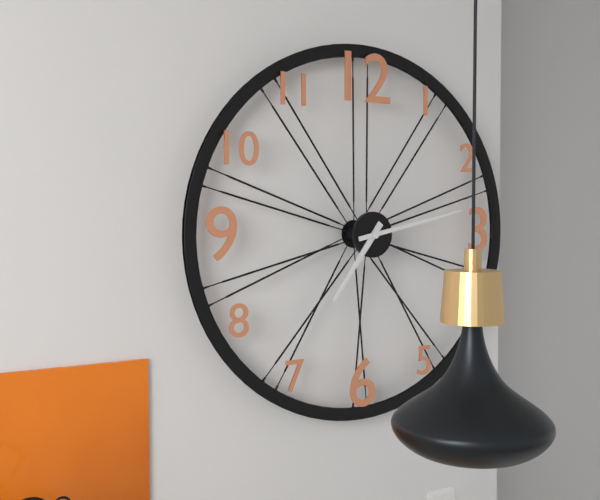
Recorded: 7:13
